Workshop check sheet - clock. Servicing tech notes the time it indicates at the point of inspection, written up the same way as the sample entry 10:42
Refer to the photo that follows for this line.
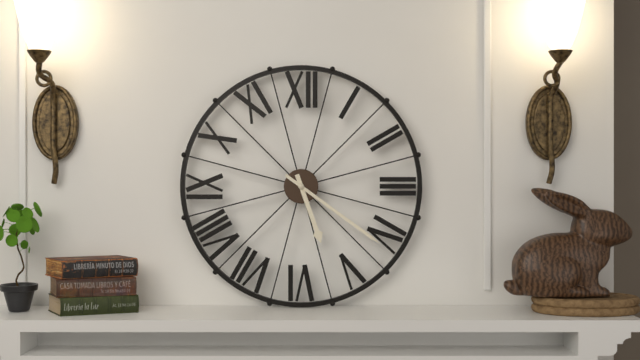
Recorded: 5:21
